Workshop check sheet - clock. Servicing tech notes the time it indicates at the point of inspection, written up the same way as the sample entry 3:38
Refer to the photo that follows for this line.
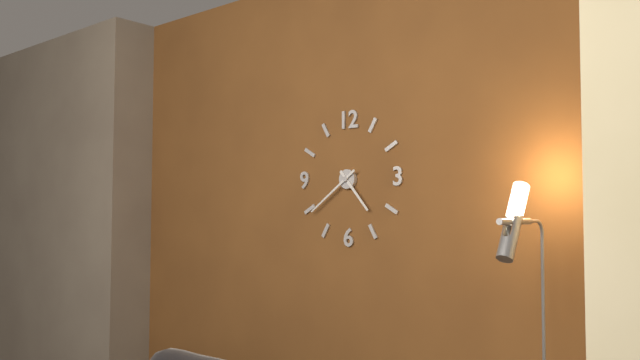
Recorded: 4:39
